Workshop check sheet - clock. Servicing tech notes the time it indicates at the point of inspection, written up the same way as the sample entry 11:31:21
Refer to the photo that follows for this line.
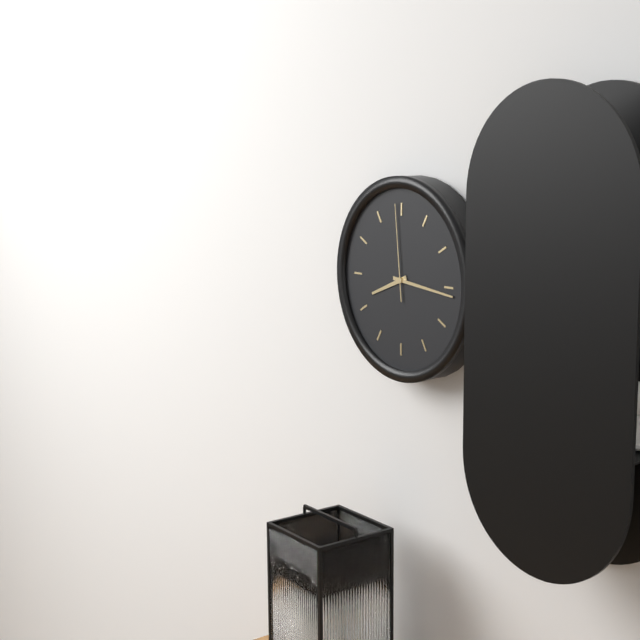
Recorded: 8:16:59
